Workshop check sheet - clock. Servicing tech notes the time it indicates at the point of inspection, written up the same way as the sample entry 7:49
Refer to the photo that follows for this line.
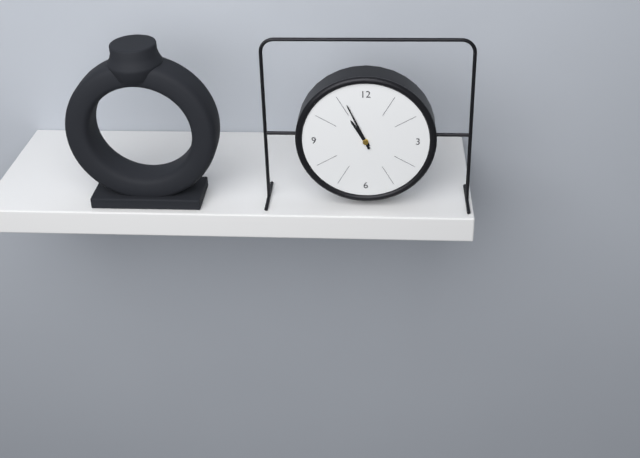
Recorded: 10:56
